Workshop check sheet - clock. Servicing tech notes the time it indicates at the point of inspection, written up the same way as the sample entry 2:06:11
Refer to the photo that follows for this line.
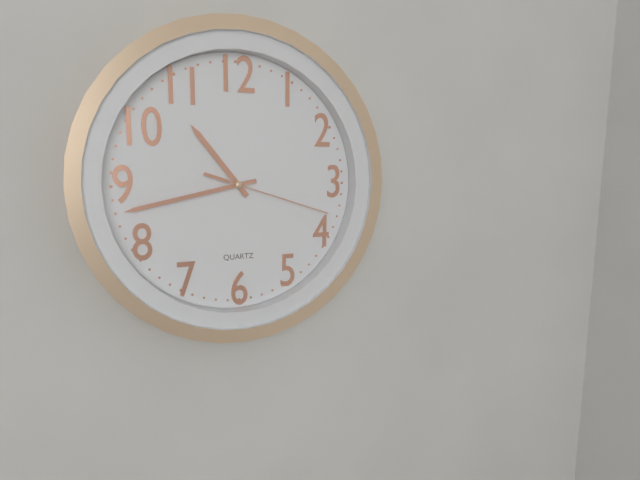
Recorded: 10:43:18
